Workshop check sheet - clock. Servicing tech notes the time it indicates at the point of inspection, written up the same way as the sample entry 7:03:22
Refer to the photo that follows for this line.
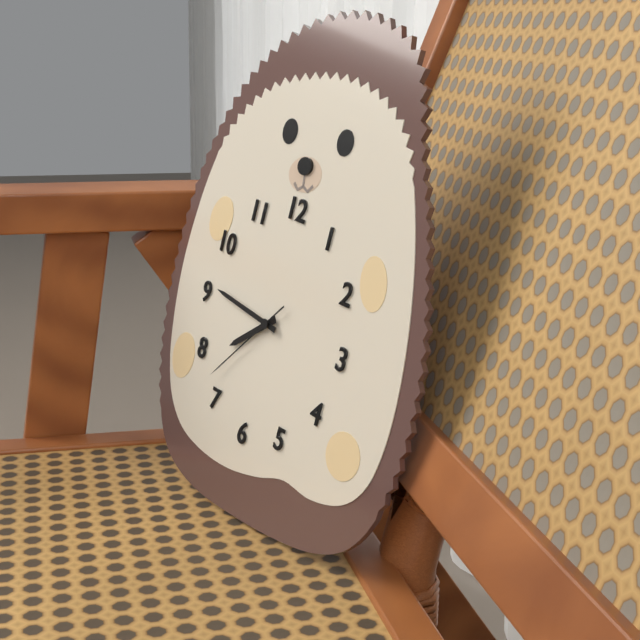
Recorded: 7:46:37
